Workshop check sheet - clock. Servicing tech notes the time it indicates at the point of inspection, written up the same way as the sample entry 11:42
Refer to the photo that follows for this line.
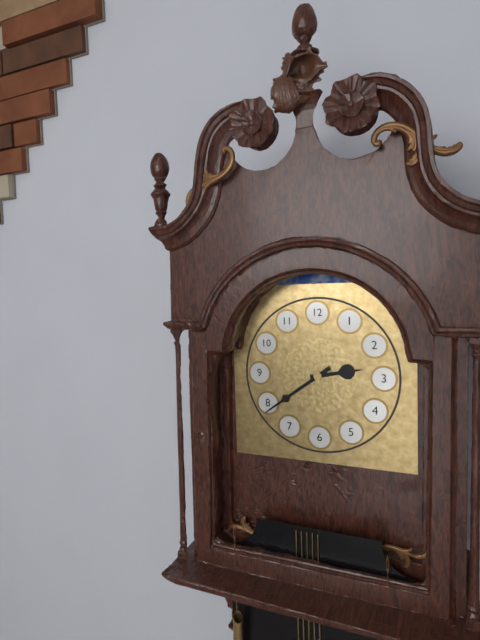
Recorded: 2:39
